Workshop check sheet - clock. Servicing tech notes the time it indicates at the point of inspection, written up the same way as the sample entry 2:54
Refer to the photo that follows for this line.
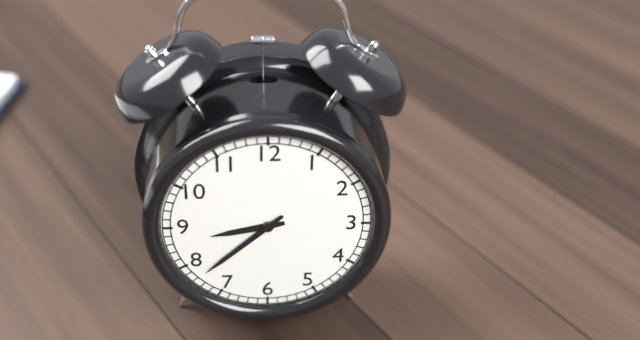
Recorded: 8:38
